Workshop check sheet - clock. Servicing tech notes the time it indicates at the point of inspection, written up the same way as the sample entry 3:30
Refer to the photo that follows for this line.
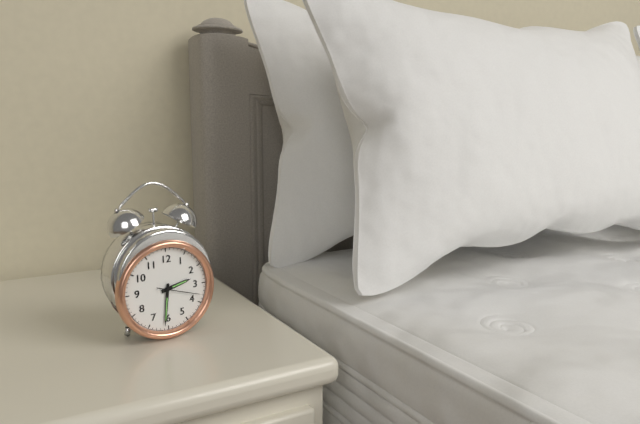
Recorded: 2:31
